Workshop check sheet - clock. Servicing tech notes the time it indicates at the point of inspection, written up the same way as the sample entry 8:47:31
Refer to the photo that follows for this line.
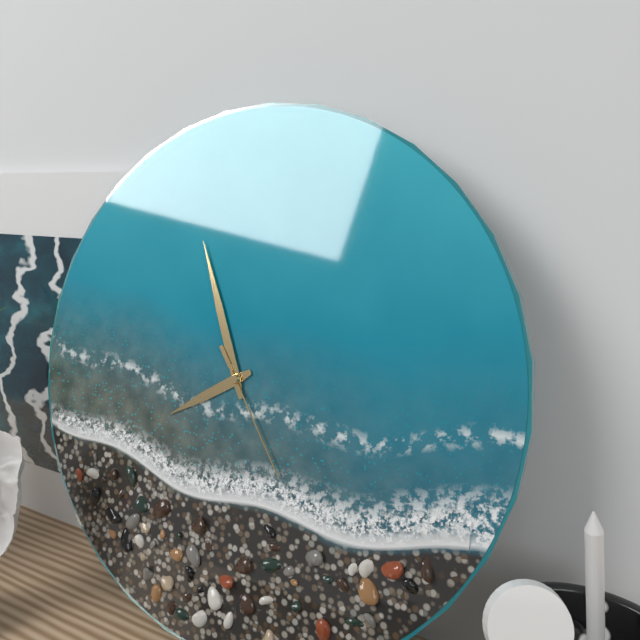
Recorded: 7:56:24
